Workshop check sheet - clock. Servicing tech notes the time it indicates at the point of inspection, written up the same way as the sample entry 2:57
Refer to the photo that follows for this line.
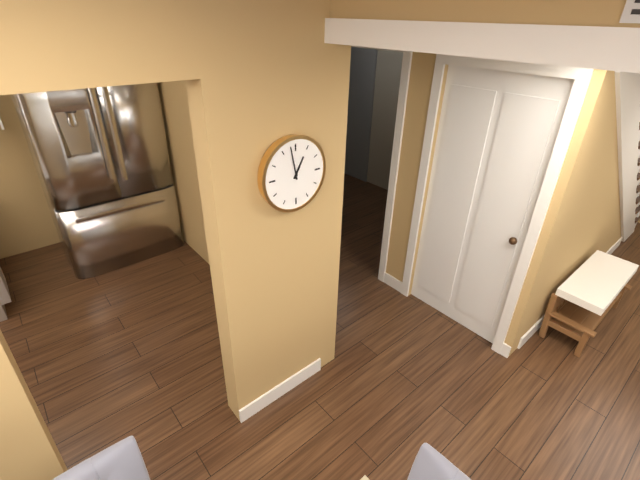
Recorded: 12:58
